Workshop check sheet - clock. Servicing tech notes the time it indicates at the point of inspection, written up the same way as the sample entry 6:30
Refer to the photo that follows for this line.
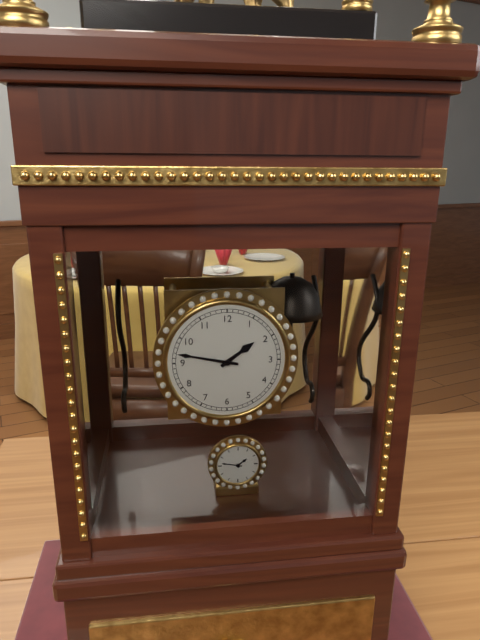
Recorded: 1:47
